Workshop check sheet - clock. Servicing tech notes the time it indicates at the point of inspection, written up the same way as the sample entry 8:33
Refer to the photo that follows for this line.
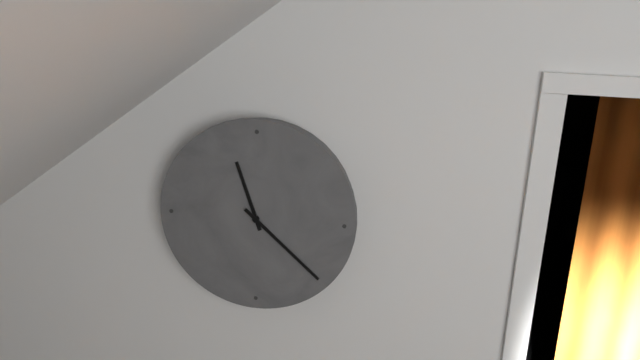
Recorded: 11:22
